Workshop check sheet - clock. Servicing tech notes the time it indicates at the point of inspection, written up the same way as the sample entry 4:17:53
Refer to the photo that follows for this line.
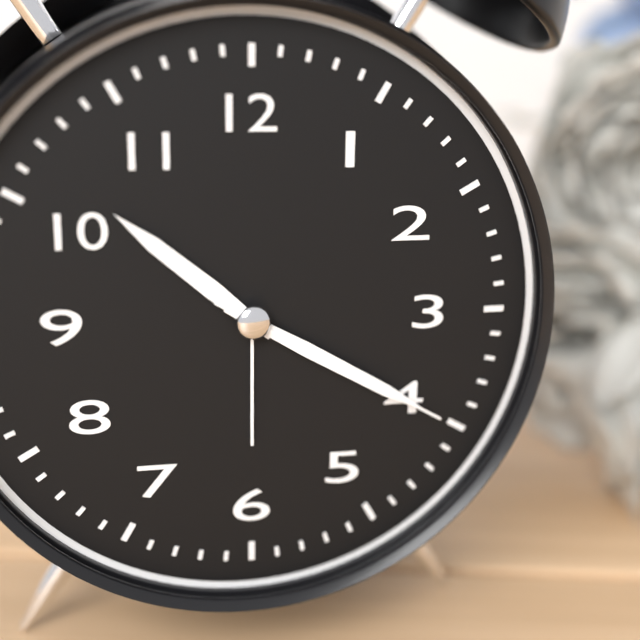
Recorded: 10:20:20
